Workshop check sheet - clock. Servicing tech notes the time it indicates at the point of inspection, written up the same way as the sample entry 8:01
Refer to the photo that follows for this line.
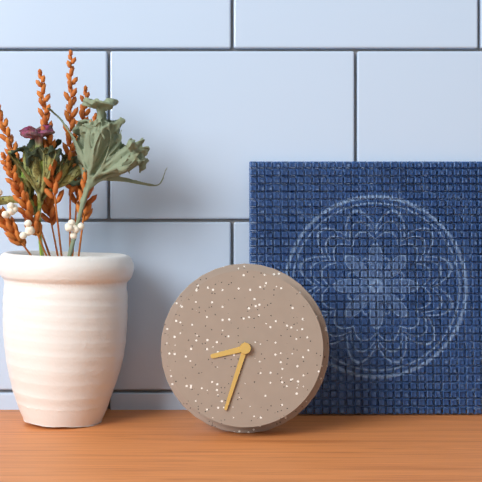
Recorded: 8:33
